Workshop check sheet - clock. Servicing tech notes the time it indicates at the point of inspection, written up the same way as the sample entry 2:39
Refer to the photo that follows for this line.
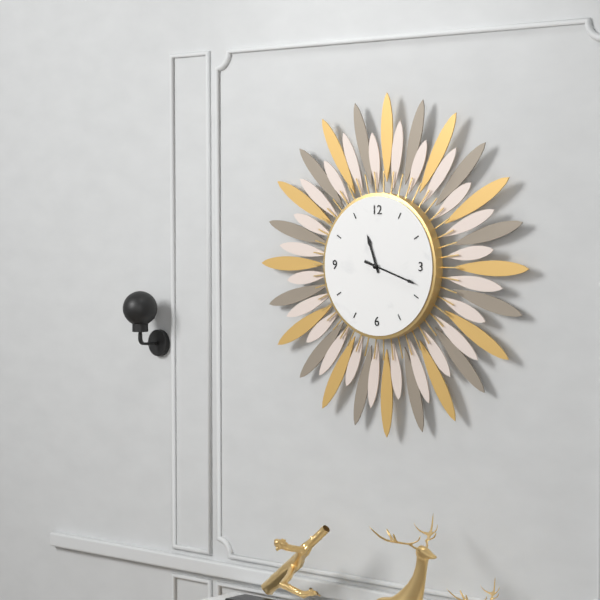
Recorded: 11:18
